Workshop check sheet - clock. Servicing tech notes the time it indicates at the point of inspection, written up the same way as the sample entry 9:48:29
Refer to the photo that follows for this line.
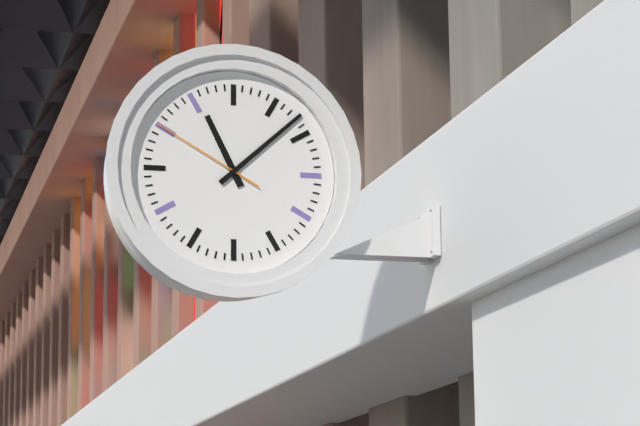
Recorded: 11:08:50
